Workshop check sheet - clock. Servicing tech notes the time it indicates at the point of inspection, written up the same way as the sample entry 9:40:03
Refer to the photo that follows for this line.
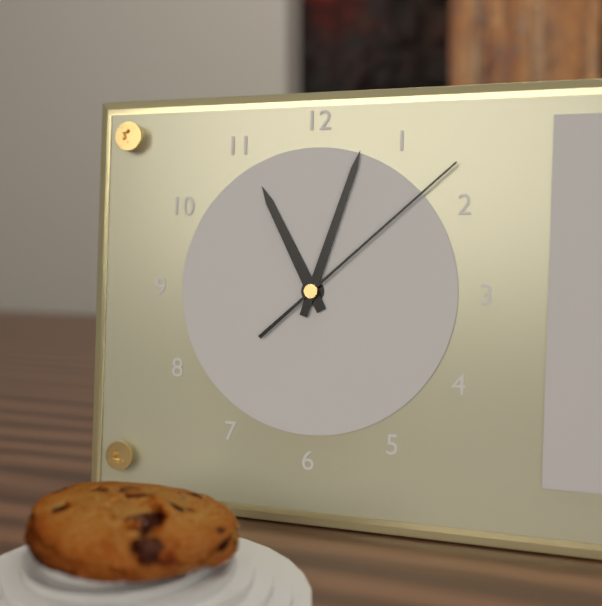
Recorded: 11:03:08
